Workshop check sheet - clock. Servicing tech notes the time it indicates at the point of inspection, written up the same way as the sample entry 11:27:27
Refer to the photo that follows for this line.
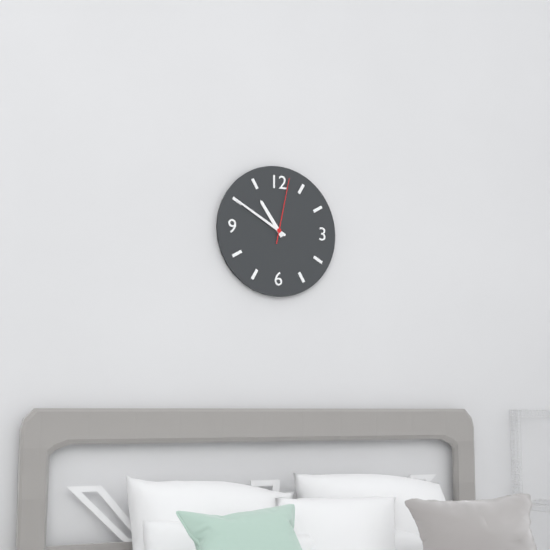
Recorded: 10:50:02
